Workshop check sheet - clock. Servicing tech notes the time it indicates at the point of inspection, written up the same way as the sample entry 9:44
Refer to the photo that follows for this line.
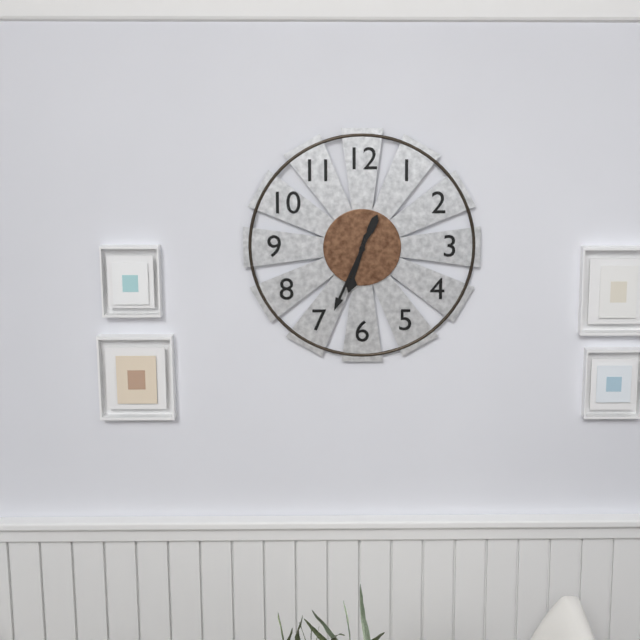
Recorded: 6:34
